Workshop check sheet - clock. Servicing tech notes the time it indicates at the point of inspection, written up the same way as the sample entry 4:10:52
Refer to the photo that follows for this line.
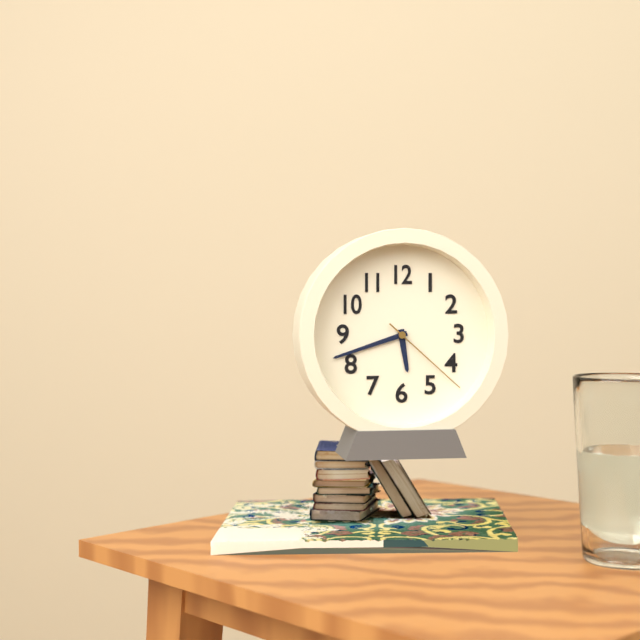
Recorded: 5:42:22
